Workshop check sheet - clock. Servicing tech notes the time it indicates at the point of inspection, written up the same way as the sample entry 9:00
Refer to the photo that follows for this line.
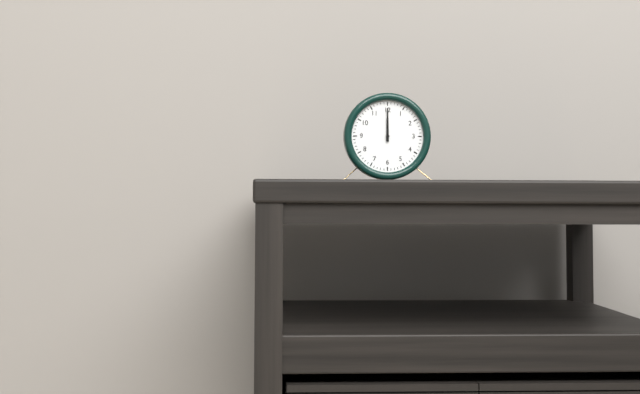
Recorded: 12:00
